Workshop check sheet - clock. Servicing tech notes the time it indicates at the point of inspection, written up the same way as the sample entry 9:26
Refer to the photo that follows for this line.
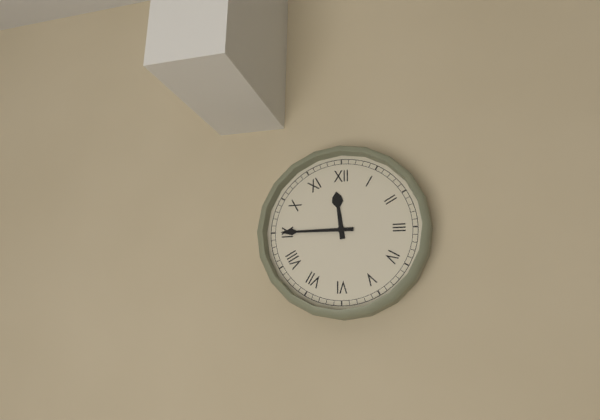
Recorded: 11:45
